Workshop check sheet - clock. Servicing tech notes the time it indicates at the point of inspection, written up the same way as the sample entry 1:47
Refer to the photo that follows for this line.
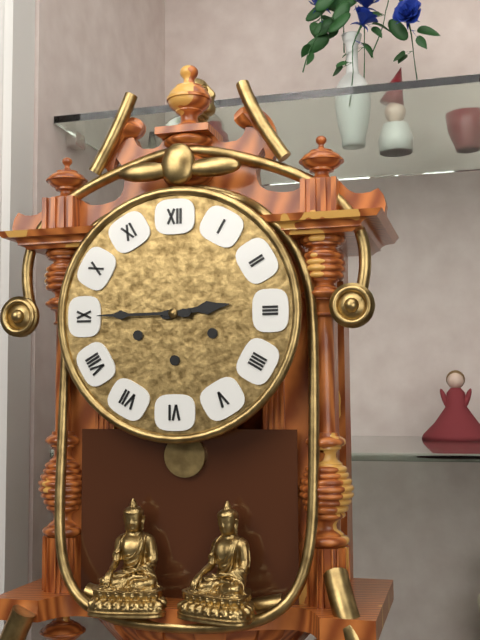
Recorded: 2:45
